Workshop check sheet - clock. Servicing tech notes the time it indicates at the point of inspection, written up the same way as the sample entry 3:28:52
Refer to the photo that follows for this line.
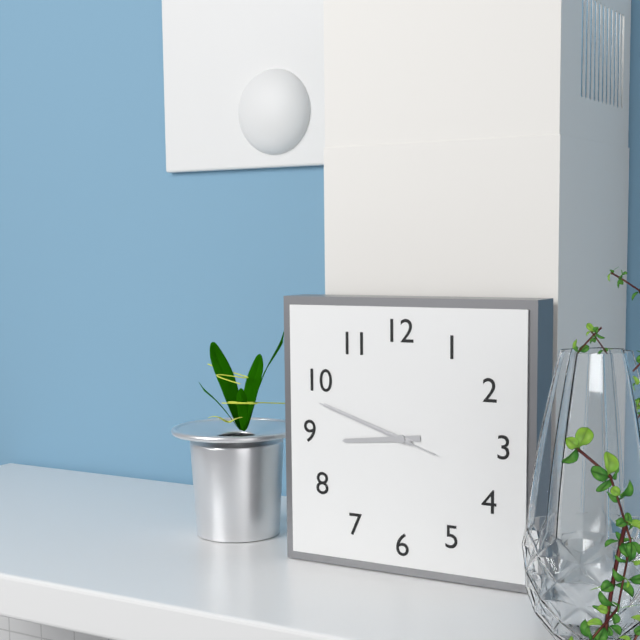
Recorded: 8:48:48
